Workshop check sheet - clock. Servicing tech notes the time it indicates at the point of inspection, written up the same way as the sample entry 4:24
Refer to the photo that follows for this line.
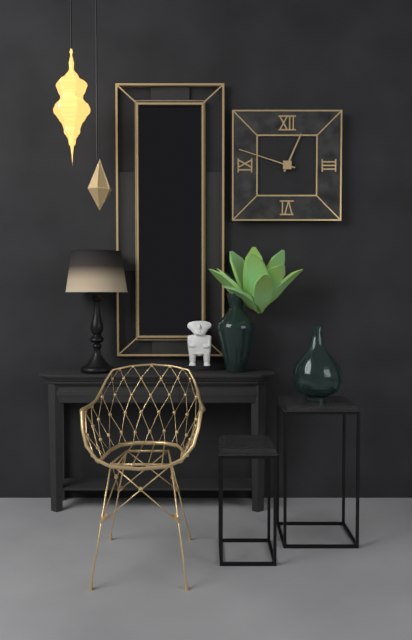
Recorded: 12:48
